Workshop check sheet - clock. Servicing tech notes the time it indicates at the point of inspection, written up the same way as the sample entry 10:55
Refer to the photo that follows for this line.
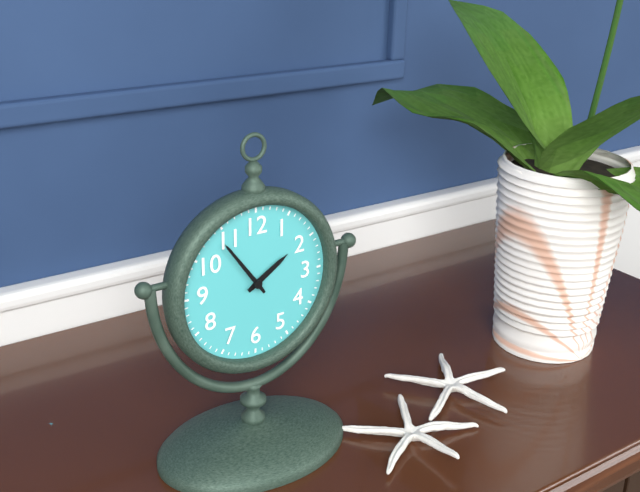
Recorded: 1:54
